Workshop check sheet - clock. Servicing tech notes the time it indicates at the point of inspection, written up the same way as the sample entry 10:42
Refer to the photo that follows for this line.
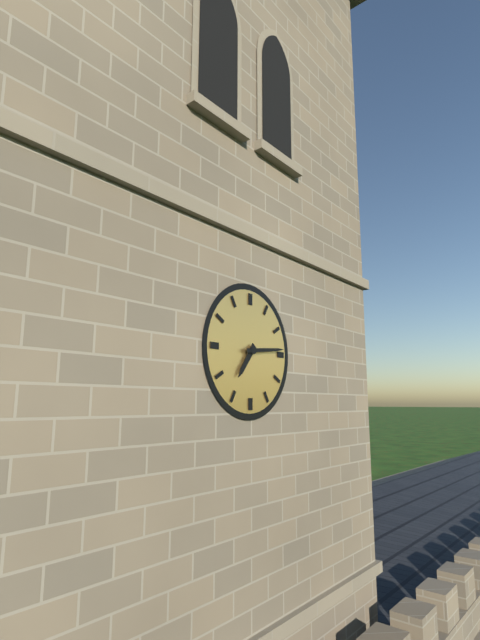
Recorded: 7:14
